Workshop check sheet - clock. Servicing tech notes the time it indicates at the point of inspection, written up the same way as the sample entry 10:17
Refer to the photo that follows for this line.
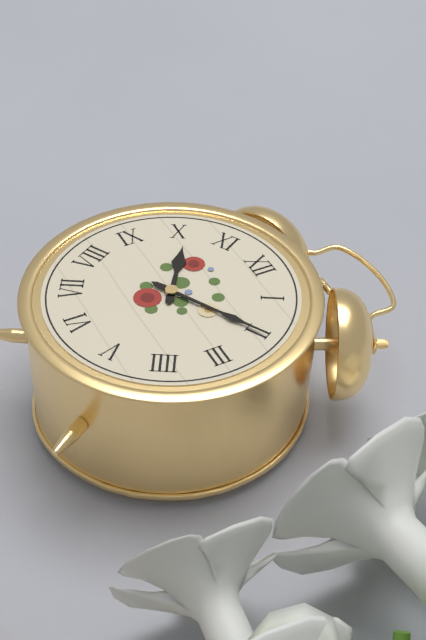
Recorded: 10:10
